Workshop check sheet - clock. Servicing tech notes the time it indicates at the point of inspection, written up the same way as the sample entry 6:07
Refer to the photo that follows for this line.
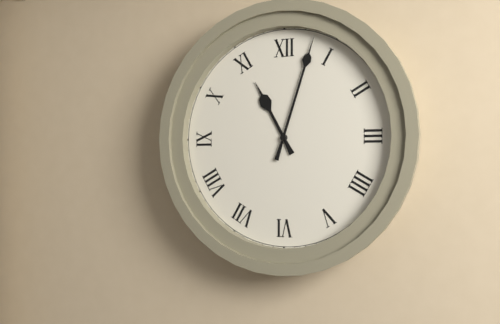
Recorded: 11:03
